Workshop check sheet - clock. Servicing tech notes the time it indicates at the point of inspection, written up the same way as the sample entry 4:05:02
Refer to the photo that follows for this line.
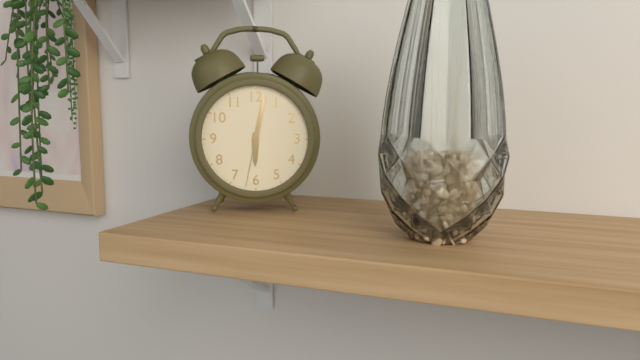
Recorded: 6:02:32
